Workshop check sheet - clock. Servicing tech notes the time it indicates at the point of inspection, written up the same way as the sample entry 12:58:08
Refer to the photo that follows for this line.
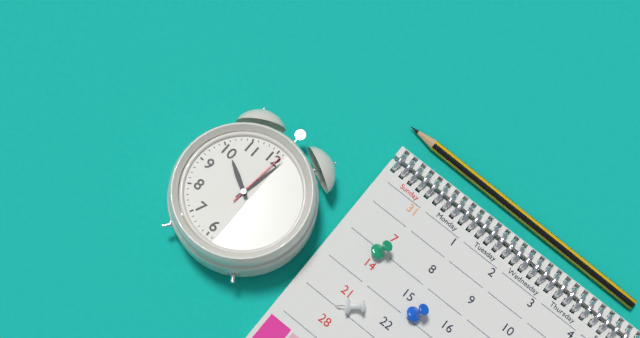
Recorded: 10:02:01
